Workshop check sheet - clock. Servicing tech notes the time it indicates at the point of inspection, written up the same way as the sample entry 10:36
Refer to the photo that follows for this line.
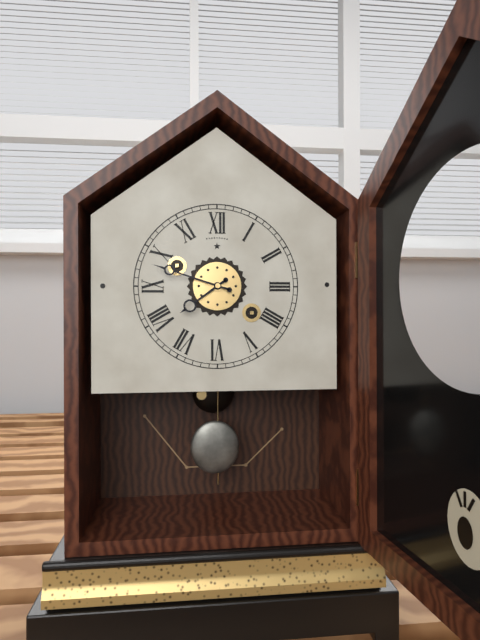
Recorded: 7:48
